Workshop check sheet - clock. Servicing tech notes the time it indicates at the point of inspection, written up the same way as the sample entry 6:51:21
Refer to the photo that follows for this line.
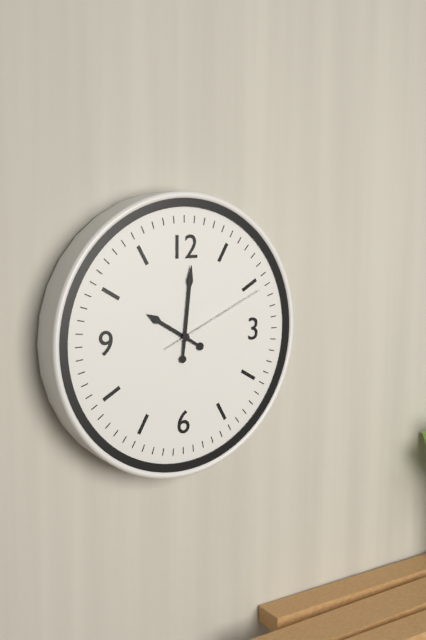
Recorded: 10:01:11
